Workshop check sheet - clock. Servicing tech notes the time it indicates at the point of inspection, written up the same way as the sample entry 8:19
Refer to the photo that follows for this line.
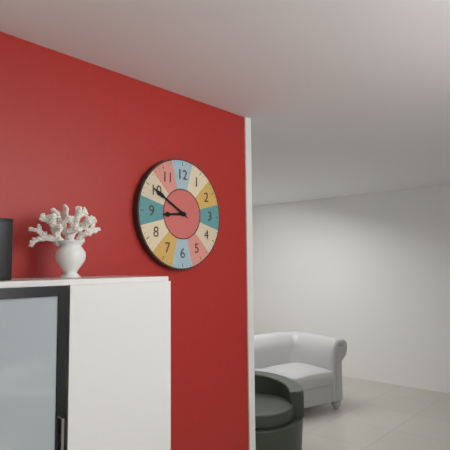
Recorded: 8:50
